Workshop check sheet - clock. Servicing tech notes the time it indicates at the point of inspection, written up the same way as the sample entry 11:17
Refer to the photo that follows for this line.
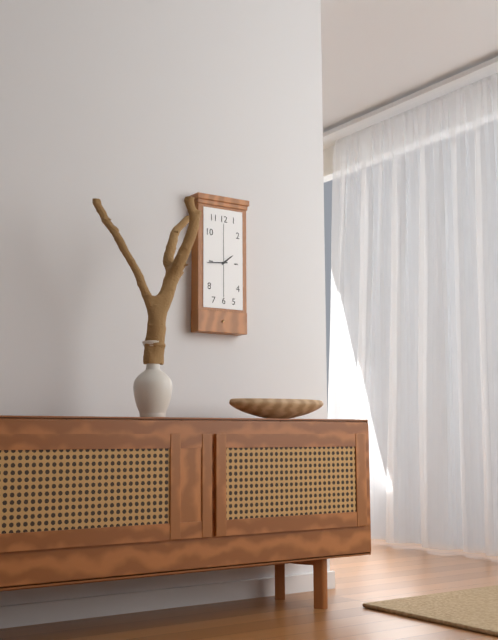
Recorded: 1:44
